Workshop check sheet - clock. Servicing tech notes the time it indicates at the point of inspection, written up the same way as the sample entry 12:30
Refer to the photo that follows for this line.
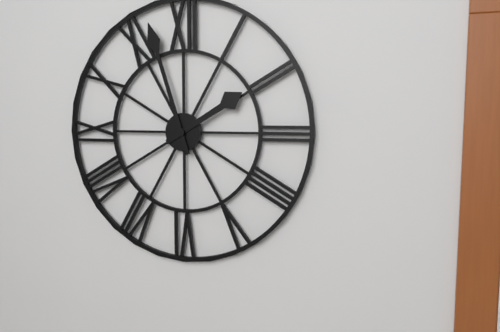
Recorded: 1:57
